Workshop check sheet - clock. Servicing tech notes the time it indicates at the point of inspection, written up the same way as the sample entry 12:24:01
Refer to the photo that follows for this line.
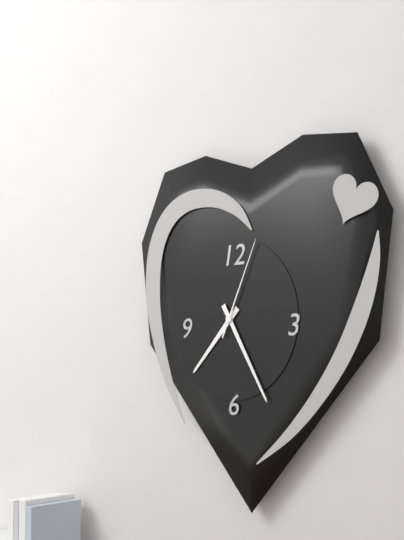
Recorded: 7:25:04
